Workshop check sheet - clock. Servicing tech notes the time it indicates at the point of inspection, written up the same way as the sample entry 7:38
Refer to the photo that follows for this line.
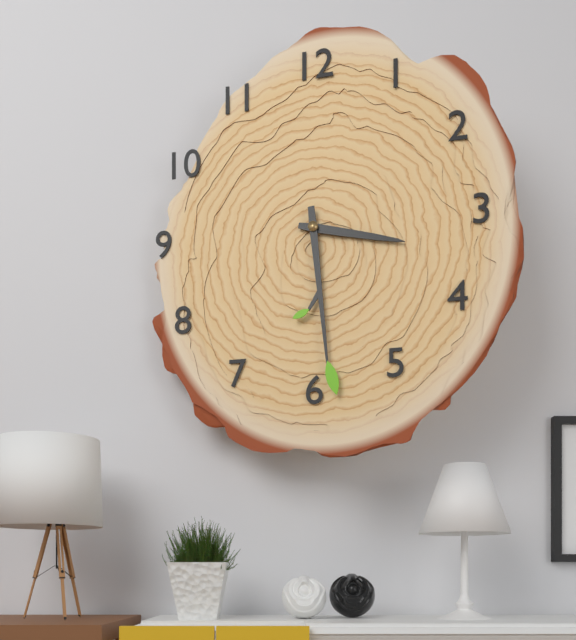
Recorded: 3:29
